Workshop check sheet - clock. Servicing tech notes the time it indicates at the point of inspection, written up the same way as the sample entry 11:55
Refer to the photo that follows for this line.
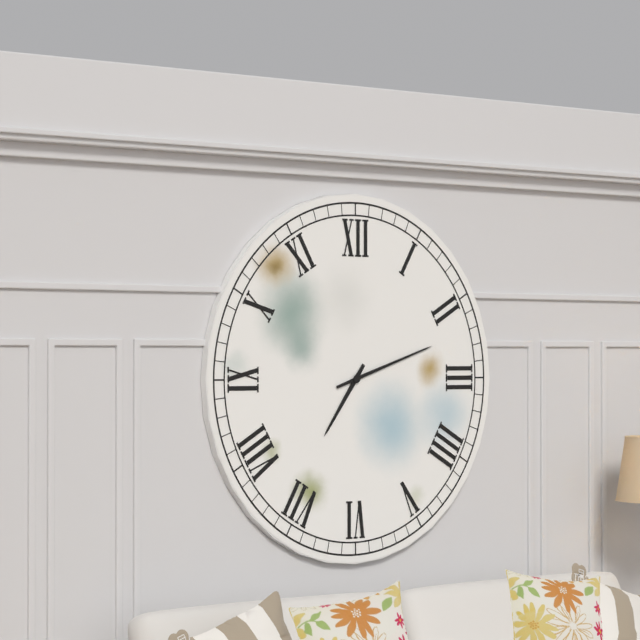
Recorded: 7:12
